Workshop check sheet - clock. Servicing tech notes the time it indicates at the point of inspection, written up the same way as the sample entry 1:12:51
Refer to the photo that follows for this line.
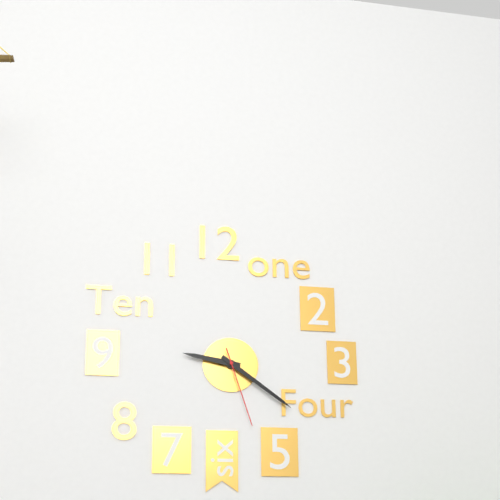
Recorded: 9:21:27
